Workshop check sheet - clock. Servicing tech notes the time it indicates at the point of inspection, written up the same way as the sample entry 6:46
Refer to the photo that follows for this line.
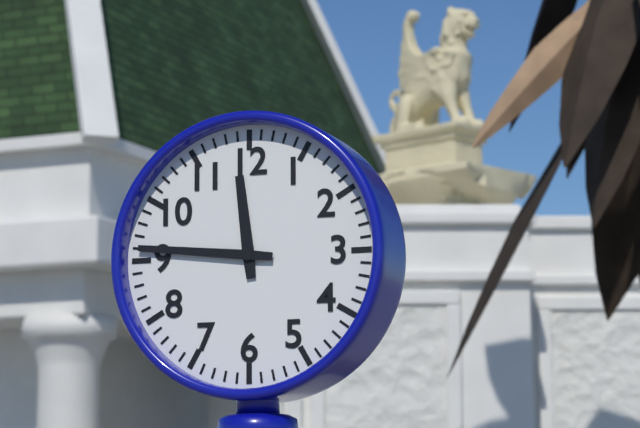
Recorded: 11:46
